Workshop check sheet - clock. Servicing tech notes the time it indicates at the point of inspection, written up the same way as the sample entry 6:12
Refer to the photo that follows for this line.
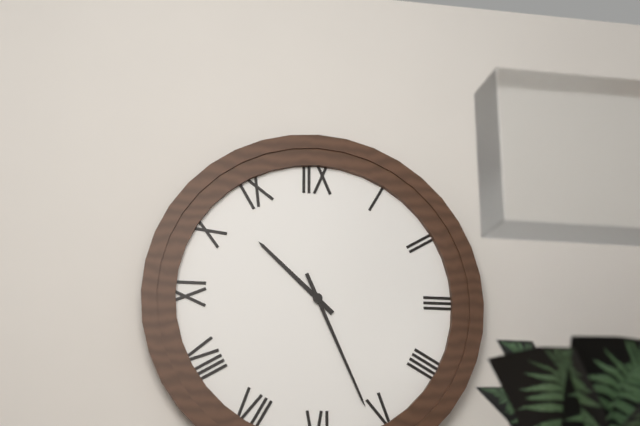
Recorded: 10:26
